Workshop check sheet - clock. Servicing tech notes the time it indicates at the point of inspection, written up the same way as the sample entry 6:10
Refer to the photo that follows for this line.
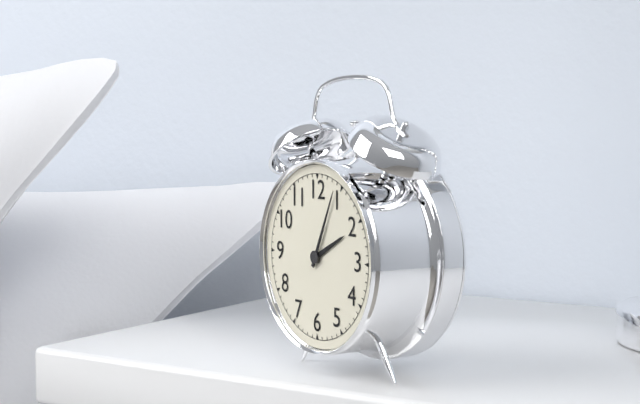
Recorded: 2:04
